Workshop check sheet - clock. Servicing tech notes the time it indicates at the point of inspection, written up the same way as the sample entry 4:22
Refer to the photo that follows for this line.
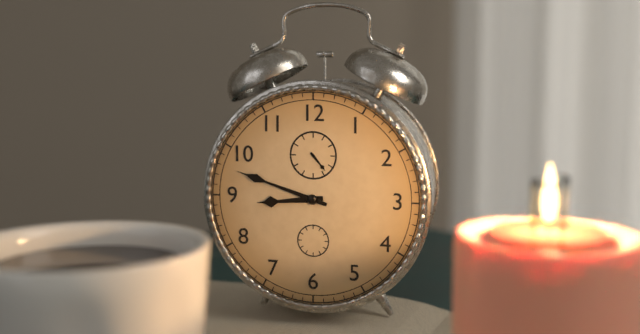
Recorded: 8:48
